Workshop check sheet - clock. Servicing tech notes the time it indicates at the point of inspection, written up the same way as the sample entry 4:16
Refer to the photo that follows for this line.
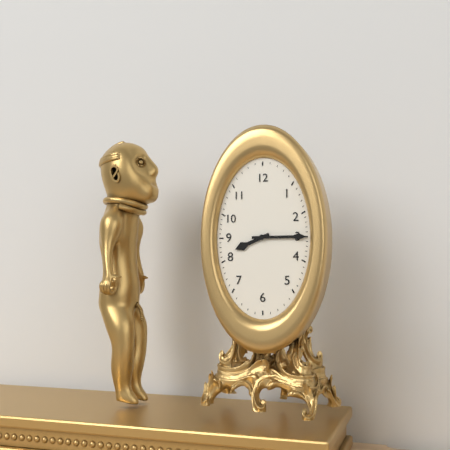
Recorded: 8:15
